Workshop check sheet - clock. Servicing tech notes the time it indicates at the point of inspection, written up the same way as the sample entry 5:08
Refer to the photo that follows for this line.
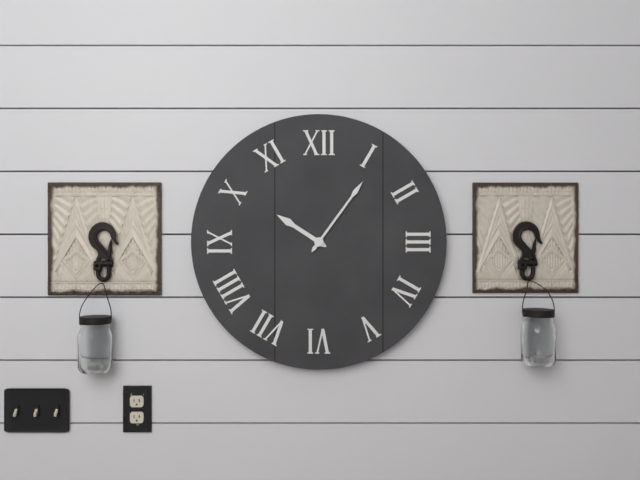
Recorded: 10:06
